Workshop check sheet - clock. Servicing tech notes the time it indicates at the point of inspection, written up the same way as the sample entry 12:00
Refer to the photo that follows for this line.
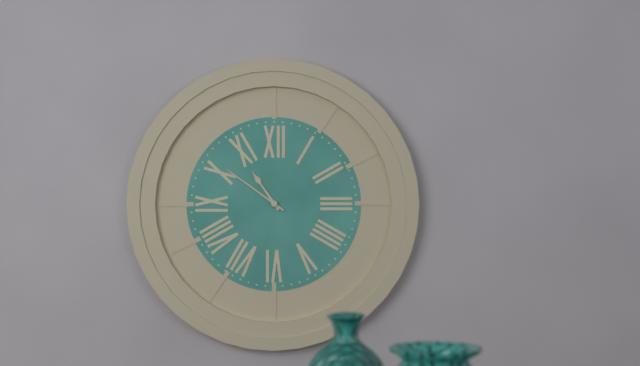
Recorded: 10:51
